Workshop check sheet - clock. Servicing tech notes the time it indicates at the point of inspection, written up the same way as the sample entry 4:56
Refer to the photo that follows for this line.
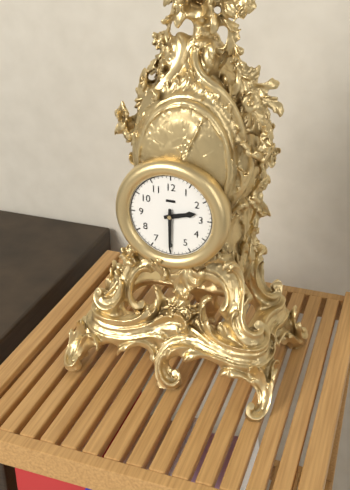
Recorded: 2:30
